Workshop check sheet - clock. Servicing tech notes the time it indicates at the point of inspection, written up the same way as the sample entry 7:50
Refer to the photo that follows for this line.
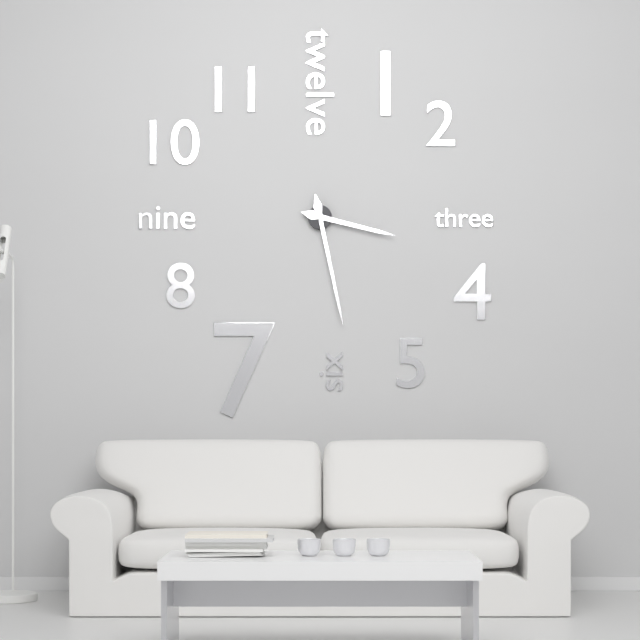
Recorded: 3:28
